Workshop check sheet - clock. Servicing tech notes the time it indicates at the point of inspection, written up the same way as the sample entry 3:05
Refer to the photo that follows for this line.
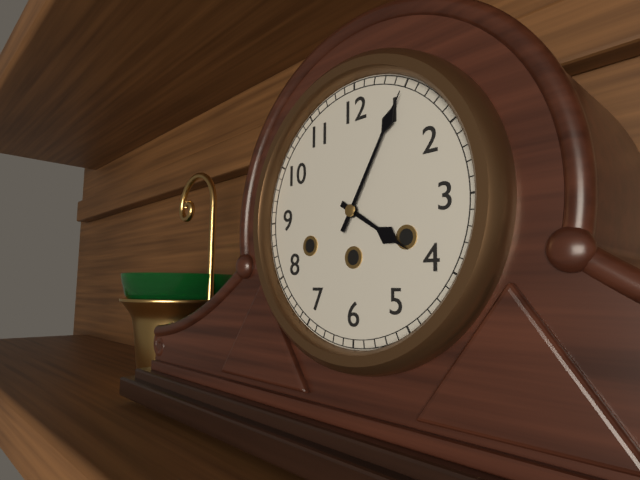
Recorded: 4:05
